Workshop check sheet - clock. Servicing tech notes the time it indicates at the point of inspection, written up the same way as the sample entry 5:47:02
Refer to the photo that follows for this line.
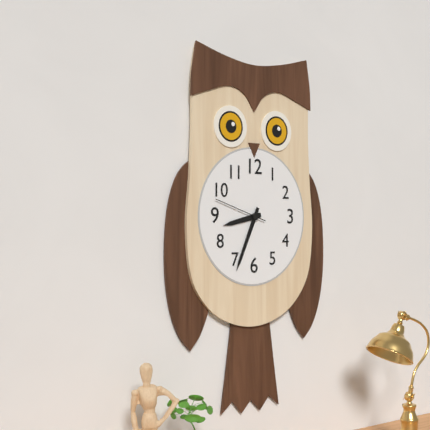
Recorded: 8:34:48
